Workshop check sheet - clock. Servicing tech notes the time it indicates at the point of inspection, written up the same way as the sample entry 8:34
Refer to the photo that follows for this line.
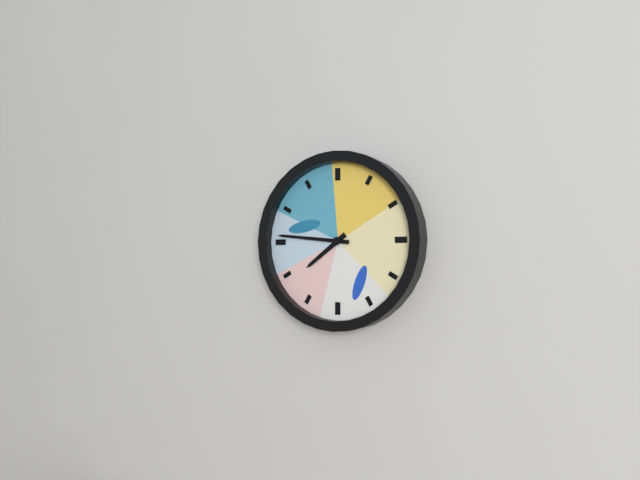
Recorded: 7:46
